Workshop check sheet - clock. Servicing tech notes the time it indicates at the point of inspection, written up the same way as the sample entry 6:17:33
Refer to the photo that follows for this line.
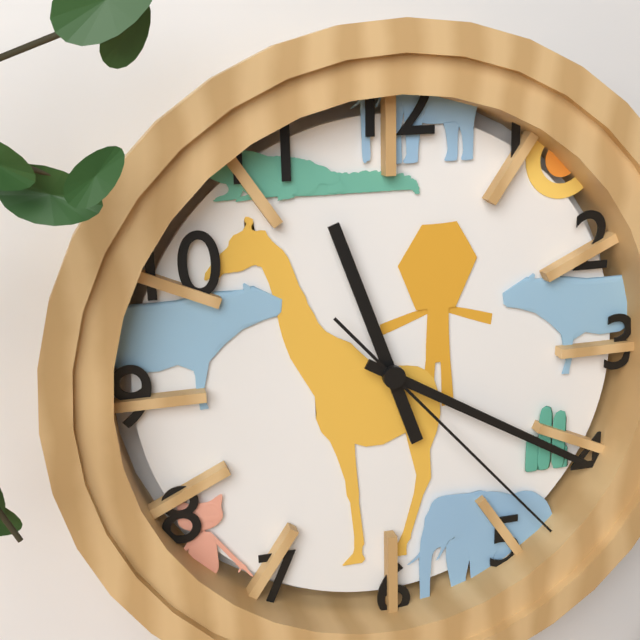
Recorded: 11:20:23
